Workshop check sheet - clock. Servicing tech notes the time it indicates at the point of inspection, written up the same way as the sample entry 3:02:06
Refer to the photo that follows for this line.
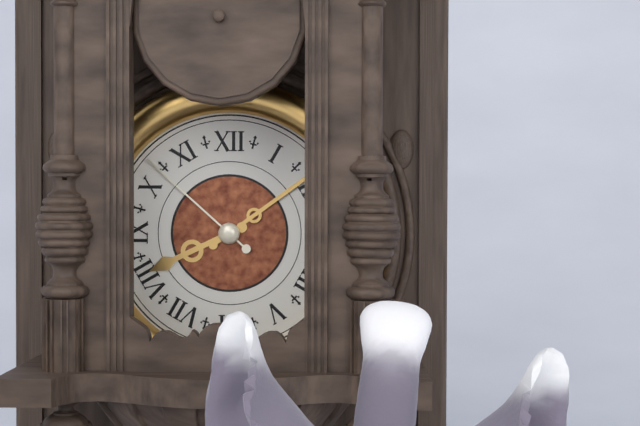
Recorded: 8:09:52
